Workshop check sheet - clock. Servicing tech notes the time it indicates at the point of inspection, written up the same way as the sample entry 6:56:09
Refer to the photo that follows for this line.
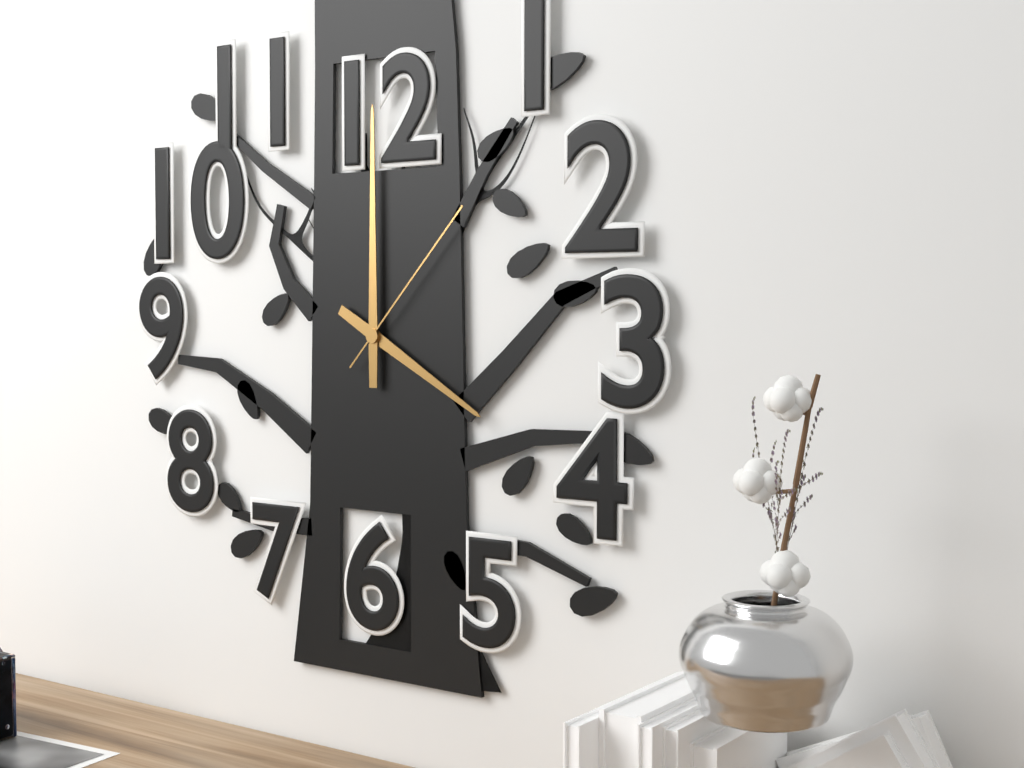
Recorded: 4:00:07
